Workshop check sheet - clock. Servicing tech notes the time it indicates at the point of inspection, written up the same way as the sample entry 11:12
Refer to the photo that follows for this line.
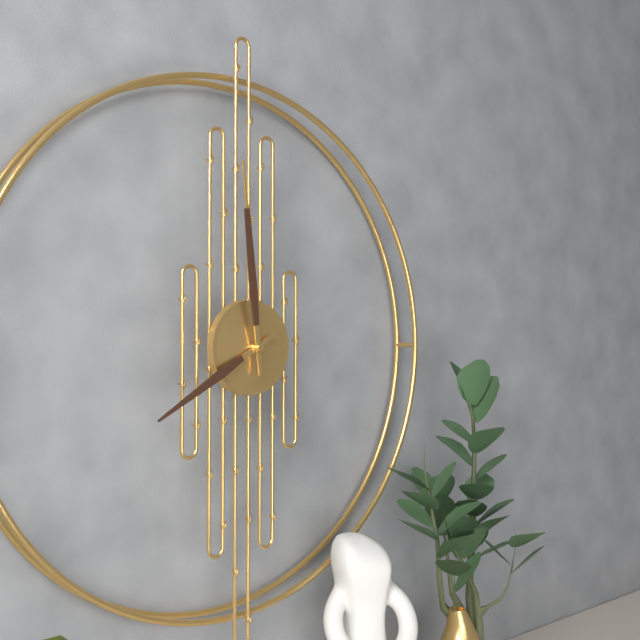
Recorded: 7:59
